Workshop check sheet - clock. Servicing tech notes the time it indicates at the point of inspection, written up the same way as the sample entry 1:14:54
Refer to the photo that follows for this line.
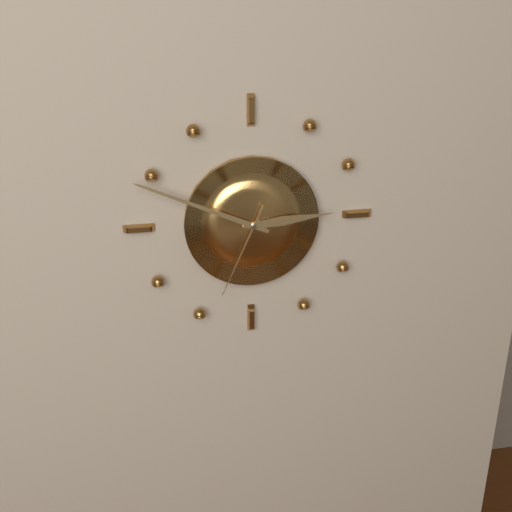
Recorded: 2:49:34
